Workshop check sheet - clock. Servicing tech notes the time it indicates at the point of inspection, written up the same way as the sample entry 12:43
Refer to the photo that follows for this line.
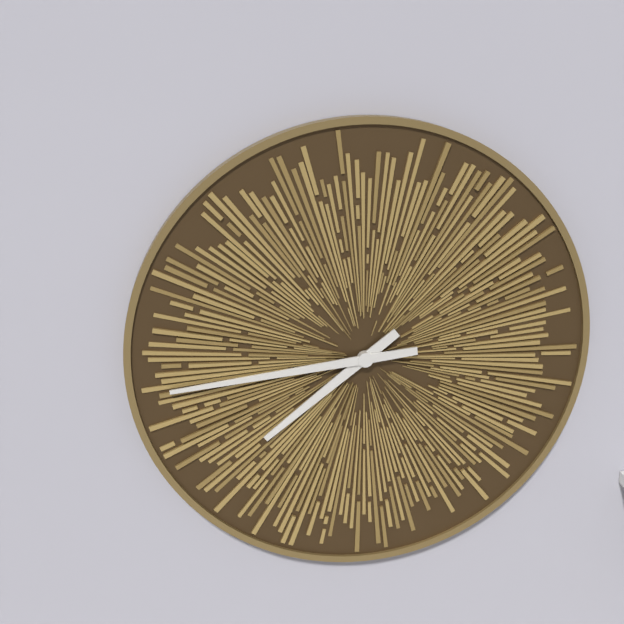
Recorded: 7:44
